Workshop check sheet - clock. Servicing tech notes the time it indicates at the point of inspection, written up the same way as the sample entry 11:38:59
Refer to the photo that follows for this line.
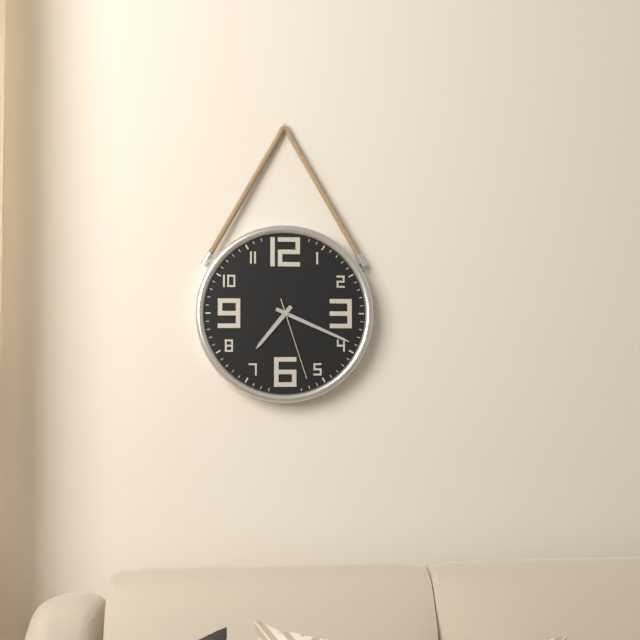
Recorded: 7:19:27
